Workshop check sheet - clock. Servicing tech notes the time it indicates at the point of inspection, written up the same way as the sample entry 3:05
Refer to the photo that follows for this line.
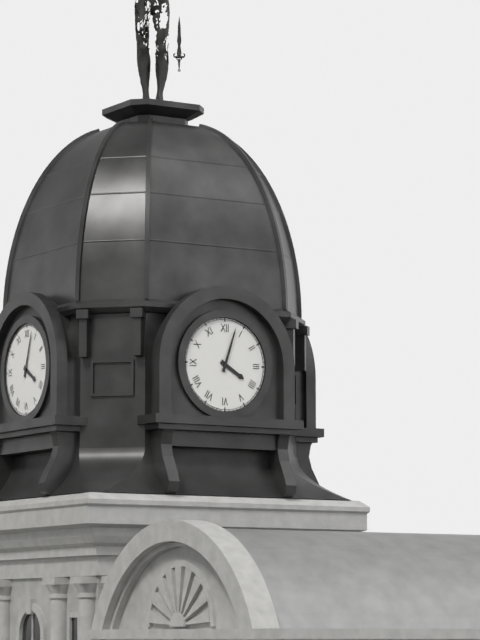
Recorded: 4:03
